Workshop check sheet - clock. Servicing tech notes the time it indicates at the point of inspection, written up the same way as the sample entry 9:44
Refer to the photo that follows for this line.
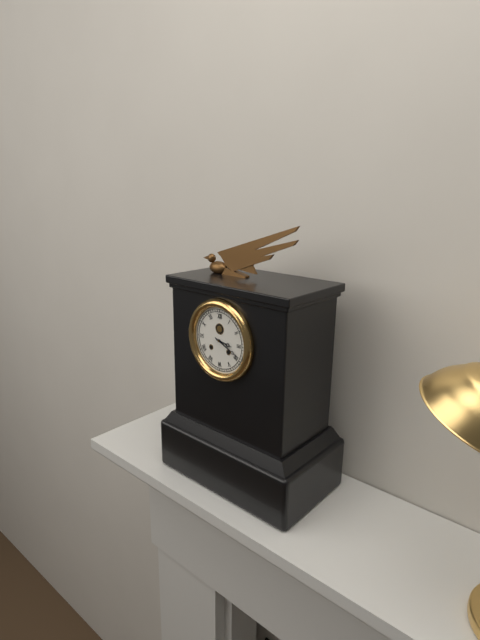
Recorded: 3:19
